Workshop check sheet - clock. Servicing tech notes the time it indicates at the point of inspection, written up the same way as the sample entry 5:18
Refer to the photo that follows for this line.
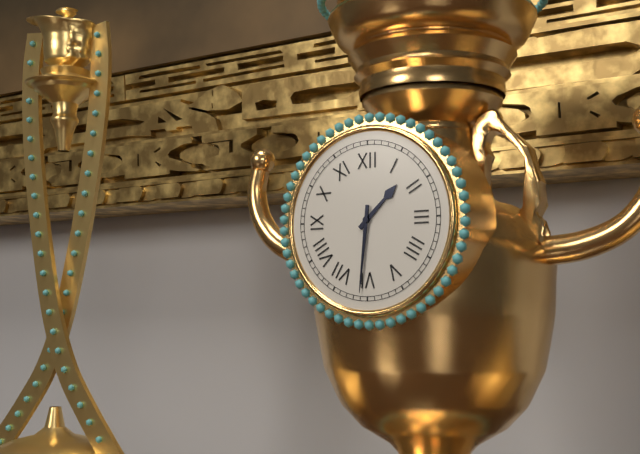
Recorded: 1:31
